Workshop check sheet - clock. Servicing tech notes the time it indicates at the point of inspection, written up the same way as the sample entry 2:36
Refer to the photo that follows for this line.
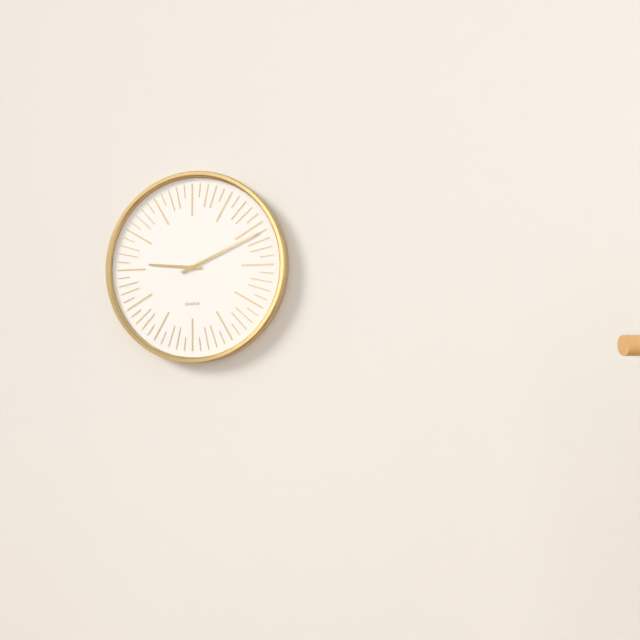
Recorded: 9:11
